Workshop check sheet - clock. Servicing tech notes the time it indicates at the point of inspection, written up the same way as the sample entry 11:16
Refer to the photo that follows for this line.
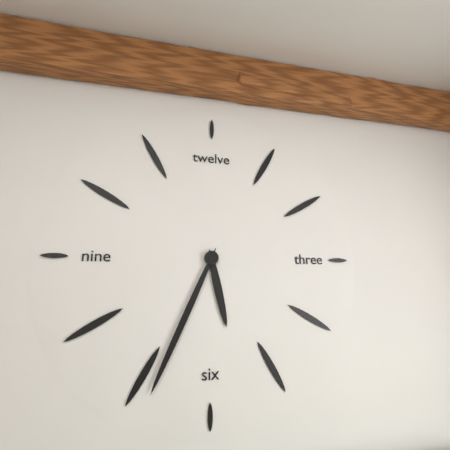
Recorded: 5:34
